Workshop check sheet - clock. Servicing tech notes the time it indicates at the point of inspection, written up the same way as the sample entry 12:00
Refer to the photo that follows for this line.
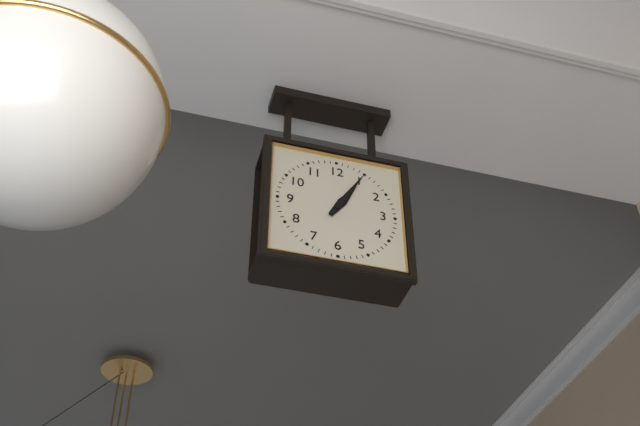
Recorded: 1:05
